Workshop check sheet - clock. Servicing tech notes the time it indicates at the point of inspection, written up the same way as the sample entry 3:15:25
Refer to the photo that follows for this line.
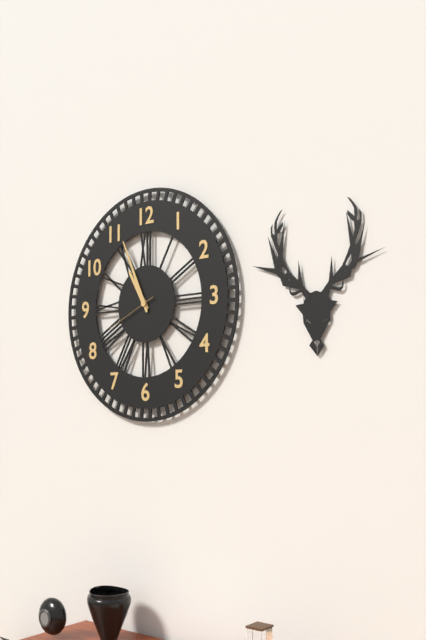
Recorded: 10:56:41
